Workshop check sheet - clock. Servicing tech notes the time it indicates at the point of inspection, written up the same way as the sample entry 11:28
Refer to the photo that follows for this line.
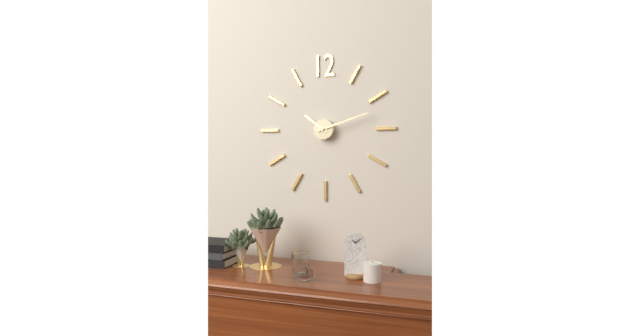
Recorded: 10:12
